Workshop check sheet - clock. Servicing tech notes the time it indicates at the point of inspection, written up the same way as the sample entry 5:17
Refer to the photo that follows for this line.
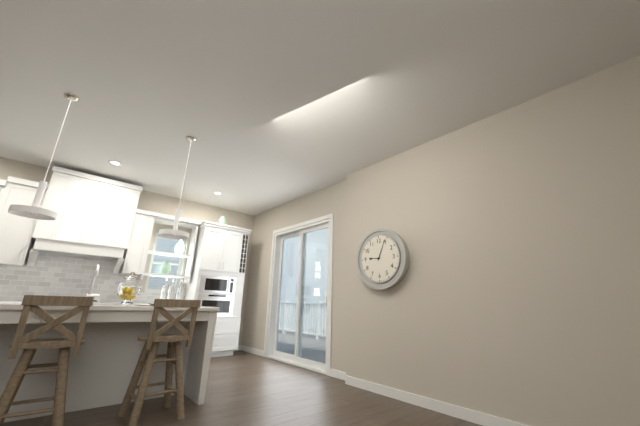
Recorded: 9:04
